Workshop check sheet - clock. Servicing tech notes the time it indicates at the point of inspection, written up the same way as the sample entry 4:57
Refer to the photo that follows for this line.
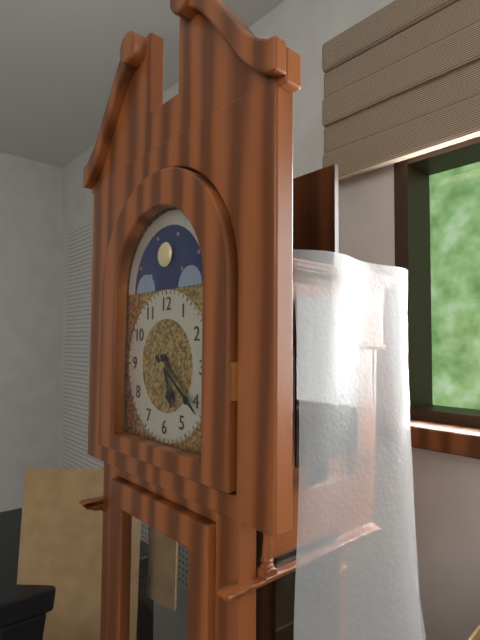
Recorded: 5:21
